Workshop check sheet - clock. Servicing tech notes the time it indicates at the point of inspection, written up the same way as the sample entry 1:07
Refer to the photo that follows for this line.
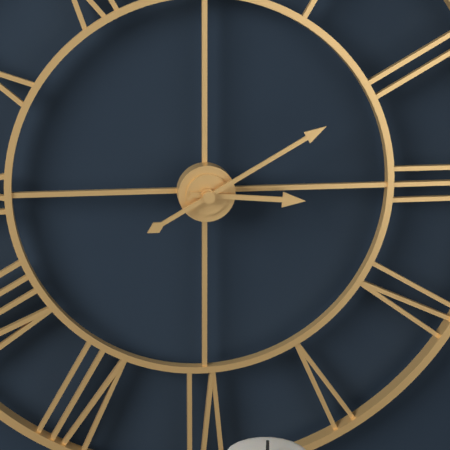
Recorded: 3:10
